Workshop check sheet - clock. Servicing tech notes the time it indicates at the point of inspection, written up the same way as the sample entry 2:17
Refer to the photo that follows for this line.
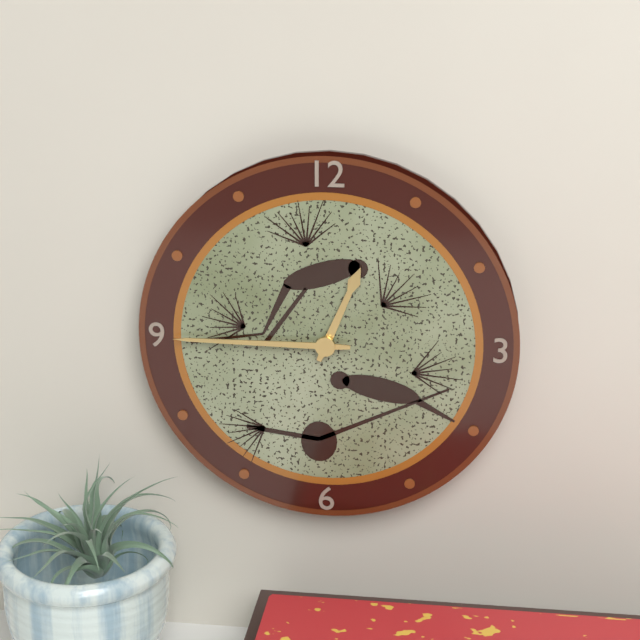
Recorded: 12:45
